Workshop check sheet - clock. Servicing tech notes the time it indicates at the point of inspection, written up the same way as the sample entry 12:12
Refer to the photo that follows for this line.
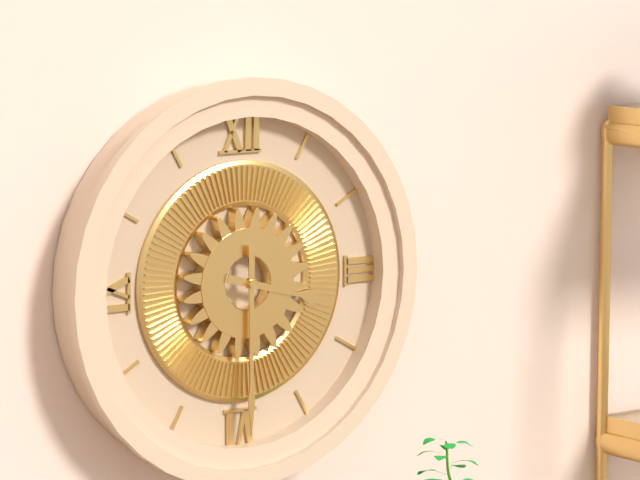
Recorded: 3:30
